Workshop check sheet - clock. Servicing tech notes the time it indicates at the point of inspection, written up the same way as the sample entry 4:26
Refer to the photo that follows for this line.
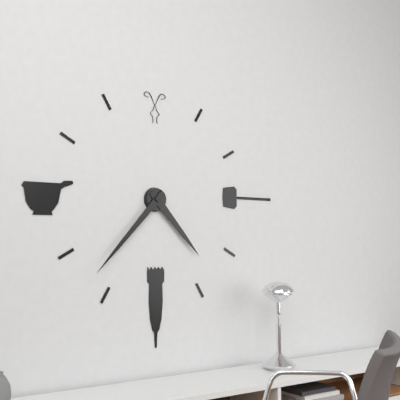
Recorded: 4:37
